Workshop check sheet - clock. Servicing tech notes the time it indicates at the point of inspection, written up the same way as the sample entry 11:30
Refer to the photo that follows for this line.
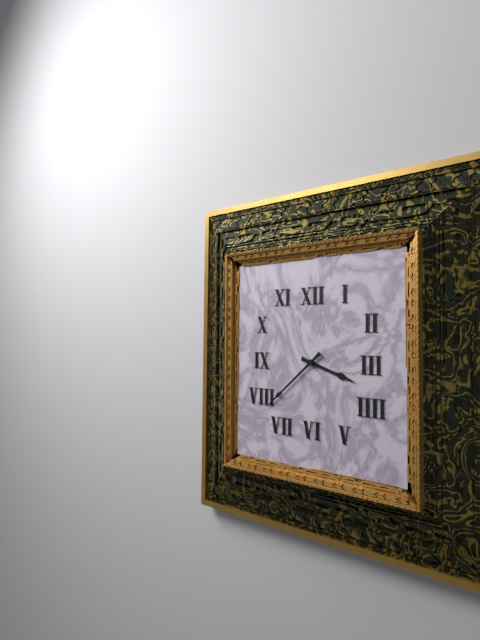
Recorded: 3:38
